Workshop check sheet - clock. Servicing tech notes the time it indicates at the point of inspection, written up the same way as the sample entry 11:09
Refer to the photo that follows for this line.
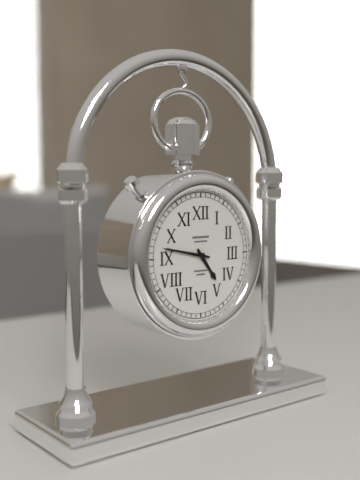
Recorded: 4:47
